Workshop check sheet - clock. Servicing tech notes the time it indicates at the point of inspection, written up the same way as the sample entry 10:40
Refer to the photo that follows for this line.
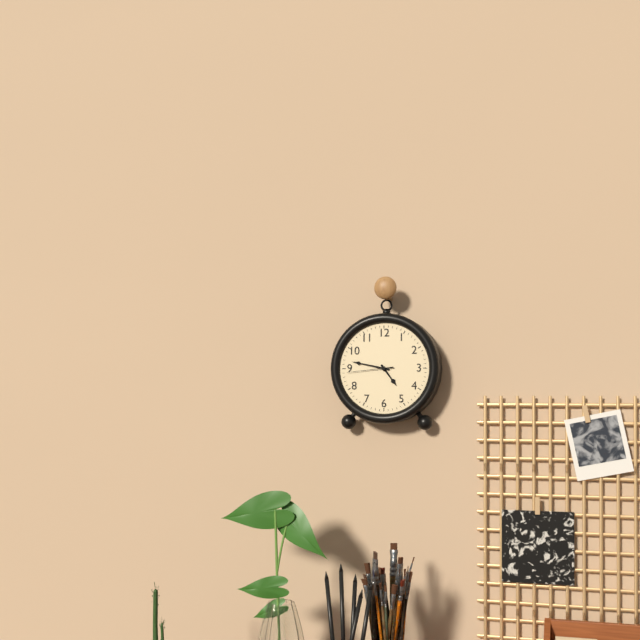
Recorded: 4:47
